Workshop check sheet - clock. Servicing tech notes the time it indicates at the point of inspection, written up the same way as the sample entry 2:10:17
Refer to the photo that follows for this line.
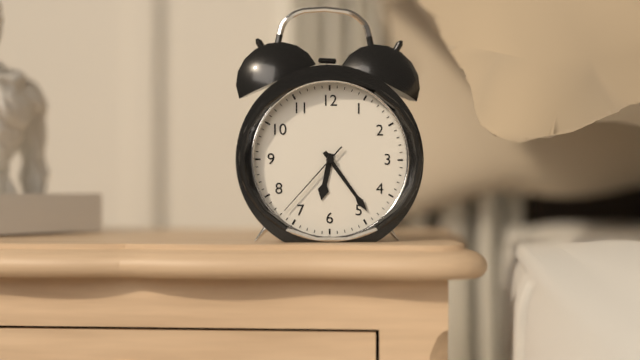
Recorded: 6:24:37
